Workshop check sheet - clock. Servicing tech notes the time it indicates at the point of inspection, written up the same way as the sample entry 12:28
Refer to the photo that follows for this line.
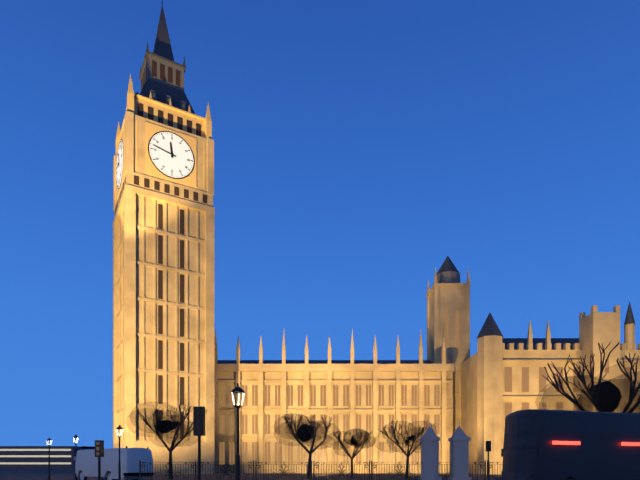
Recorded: 11:47
